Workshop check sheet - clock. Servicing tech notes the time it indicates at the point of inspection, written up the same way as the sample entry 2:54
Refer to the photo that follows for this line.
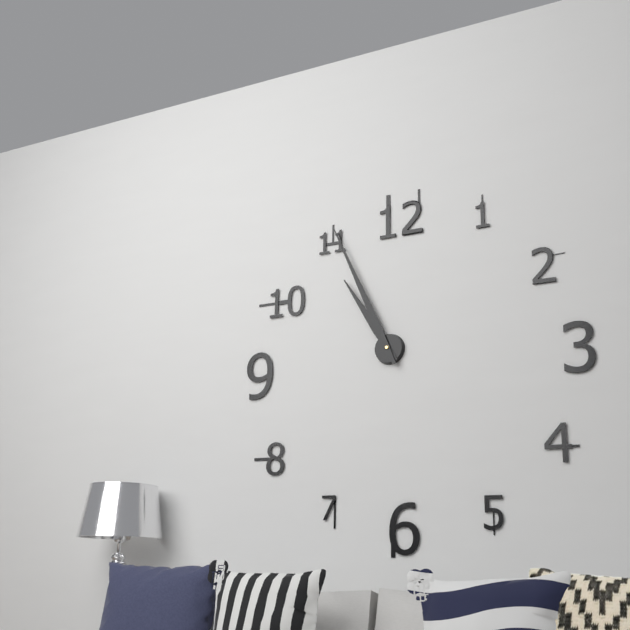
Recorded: 10:56
